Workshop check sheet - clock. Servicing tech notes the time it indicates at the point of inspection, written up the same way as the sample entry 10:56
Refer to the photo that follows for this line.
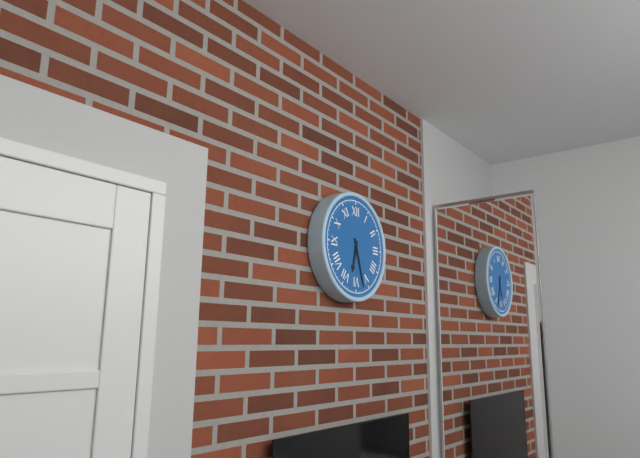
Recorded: 6:27
